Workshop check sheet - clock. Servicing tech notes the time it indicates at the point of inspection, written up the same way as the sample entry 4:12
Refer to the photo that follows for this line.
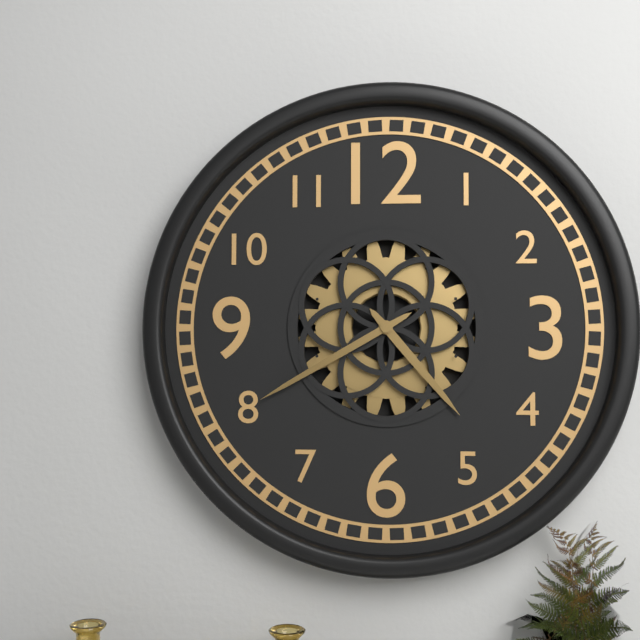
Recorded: 4:40
